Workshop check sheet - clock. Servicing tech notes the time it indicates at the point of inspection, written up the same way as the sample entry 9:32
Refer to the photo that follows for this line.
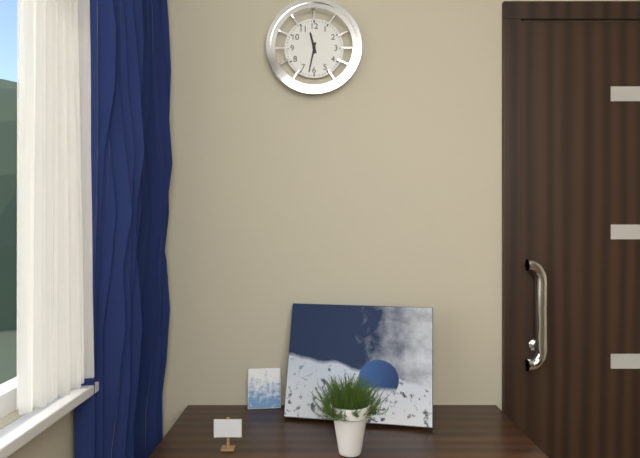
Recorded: 11:32
